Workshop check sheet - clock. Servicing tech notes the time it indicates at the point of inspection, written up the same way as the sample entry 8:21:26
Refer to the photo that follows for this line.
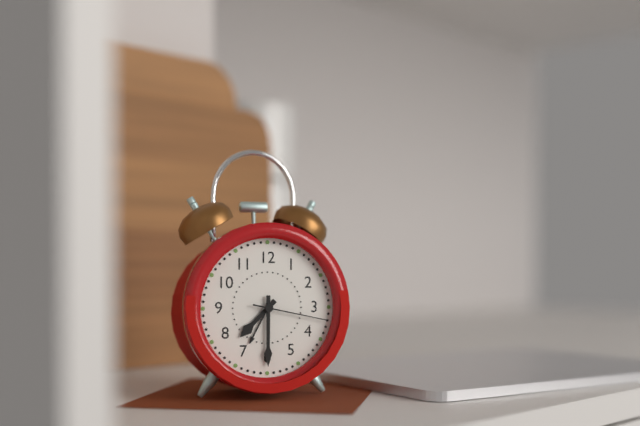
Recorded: 7:30:17
